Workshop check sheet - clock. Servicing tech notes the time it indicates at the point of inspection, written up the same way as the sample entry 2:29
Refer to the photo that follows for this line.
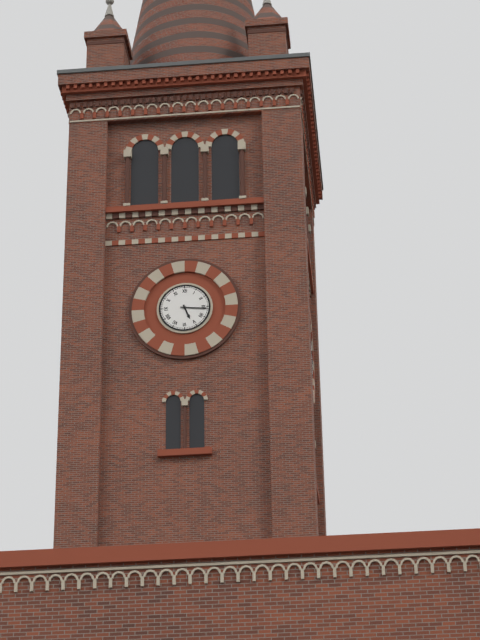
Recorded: 5:16
